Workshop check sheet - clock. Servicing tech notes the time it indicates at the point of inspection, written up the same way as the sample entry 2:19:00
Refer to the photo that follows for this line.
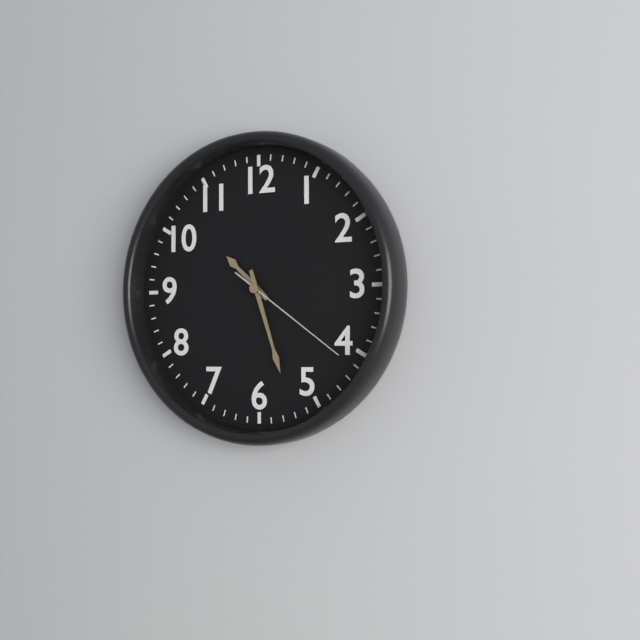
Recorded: 10:27:21
